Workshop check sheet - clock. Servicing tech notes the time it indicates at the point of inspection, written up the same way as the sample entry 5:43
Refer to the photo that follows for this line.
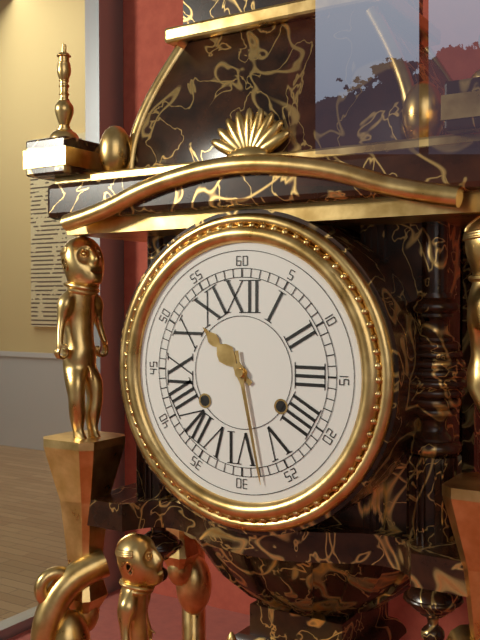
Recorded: 10:28
